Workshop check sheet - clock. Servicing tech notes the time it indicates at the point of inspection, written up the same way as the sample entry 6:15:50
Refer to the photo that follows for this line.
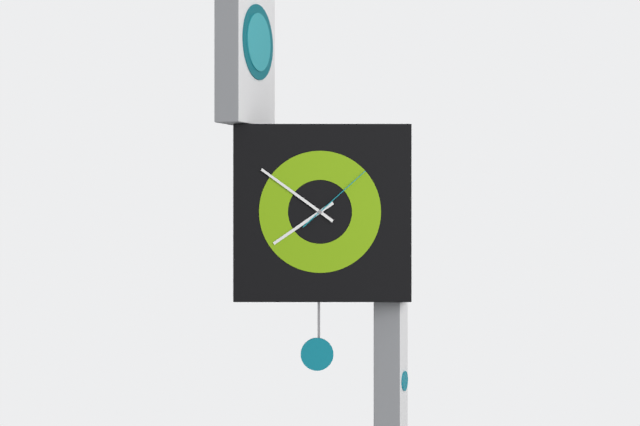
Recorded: 7:51:08
